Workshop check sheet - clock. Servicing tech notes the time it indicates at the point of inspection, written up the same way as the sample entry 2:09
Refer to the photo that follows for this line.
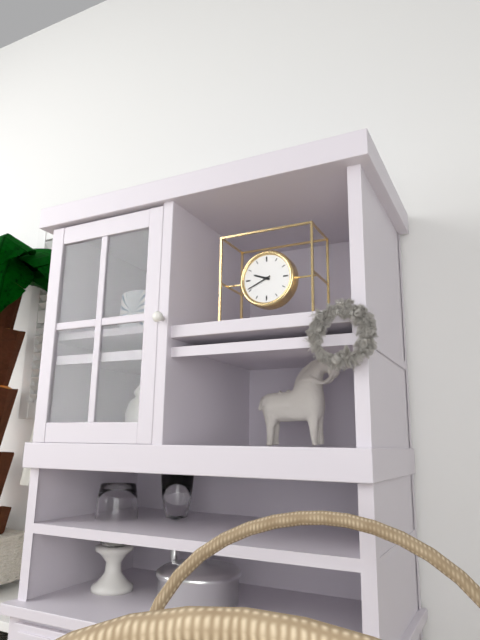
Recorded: 9:41
